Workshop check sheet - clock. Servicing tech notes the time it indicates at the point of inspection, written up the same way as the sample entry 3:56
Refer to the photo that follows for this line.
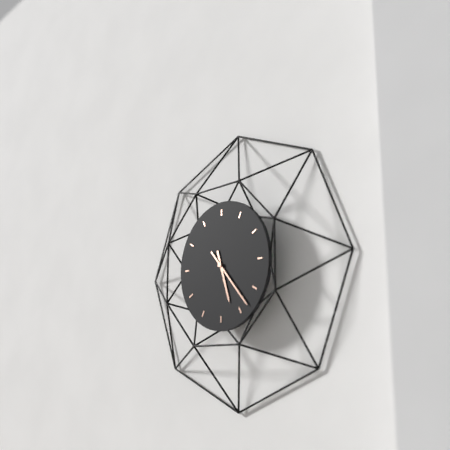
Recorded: 5:23
